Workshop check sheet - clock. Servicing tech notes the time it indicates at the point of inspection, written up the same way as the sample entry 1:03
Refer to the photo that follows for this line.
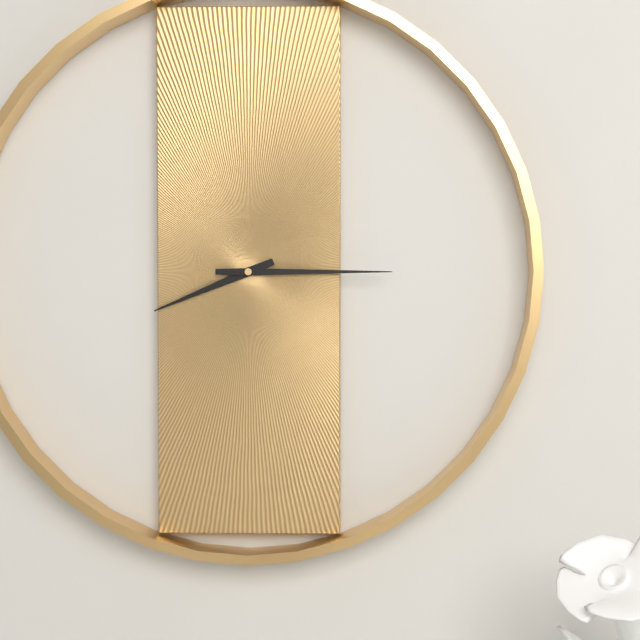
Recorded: 8:15
